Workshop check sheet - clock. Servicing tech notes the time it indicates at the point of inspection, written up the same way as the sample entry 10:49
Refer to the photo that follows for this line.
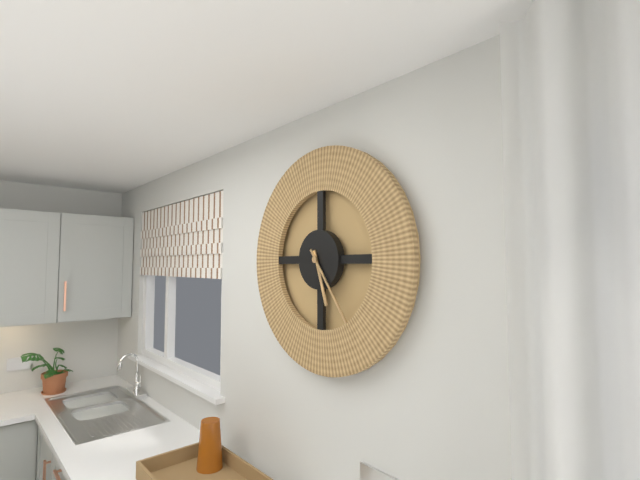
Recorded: 5:24
